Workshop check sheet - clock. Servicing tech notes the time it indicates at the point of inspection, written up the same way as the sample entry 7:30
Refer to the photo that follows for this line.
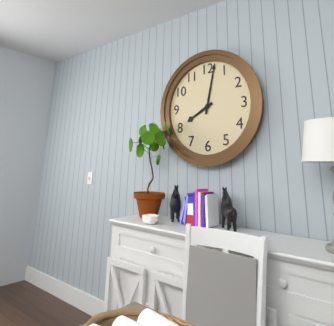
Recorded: 8:02
